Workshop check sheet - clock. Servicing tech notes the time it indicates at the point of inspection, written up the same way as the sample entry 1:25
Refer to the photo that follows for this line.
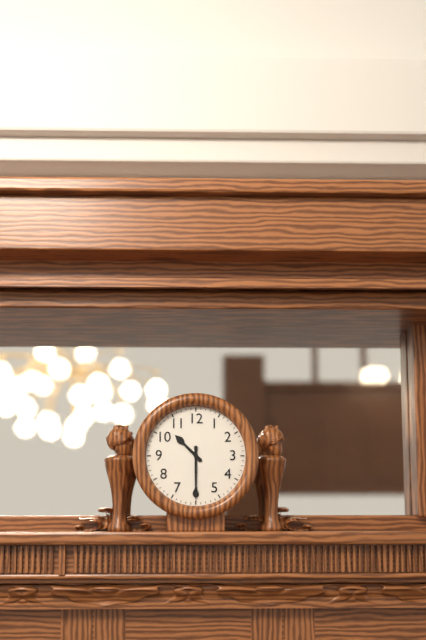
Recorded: 10:30
